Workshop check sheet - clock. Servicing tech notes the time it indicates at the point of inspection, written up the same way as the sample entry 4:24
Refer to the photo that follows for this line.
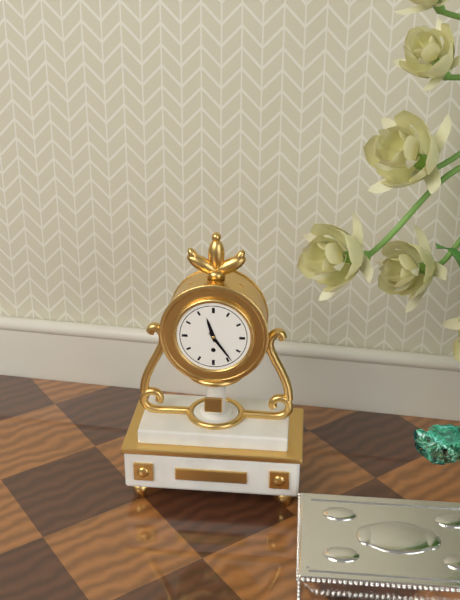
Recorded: 11:24
